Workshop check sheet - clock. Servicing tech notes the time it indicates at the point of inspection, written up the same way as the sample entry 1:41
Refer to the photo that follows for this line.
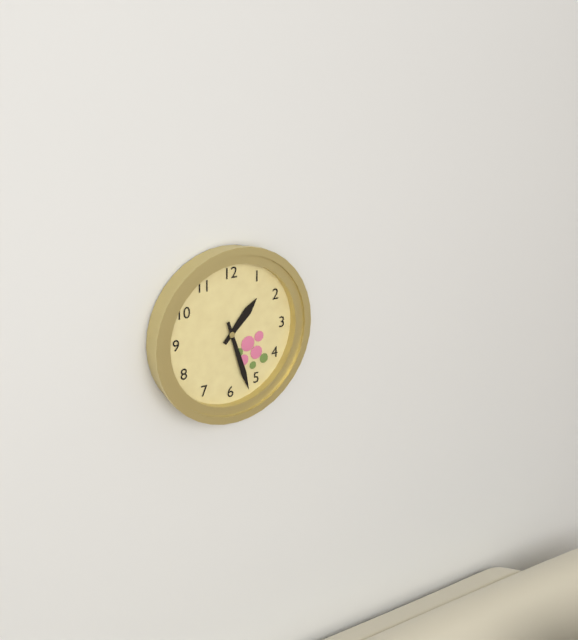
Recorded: 1:27
